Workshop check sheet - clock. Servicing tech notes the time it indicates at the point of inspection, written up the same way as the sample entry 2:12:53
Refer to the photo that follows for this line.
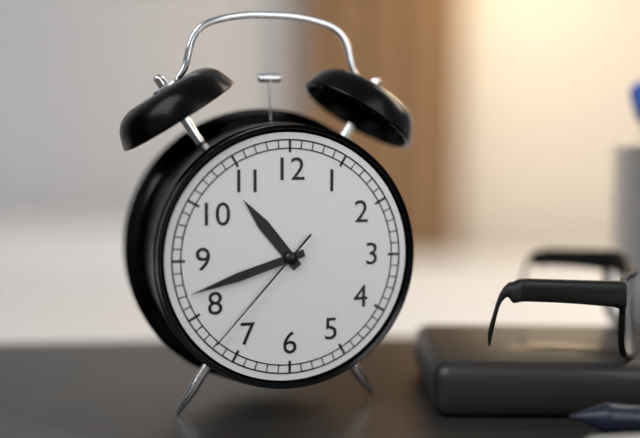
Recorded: 10:42:37
